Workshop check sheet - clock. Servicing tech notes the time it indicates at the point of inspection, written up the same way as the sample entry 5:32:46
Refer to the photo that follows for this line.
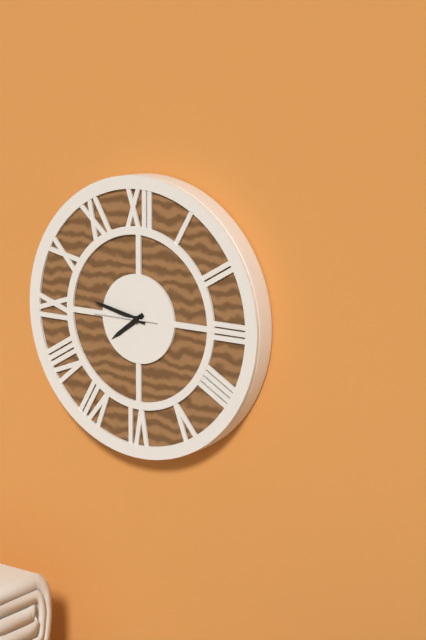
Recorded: 7:47:45
